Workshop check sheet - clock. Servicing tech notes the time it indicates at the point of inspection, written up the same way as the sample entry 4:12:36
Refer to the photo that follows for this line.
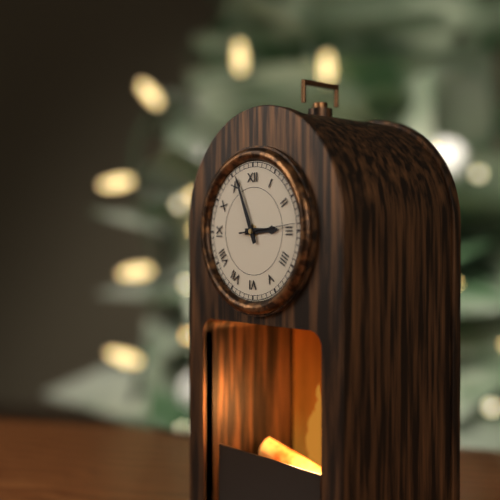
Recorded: 2:56:14
